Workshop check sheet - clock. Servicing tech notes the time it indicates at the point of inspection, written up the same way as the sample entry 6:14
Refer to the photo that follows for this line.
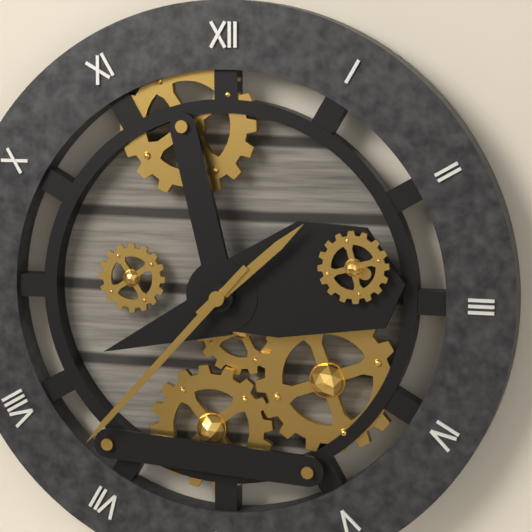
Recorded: 1:37
